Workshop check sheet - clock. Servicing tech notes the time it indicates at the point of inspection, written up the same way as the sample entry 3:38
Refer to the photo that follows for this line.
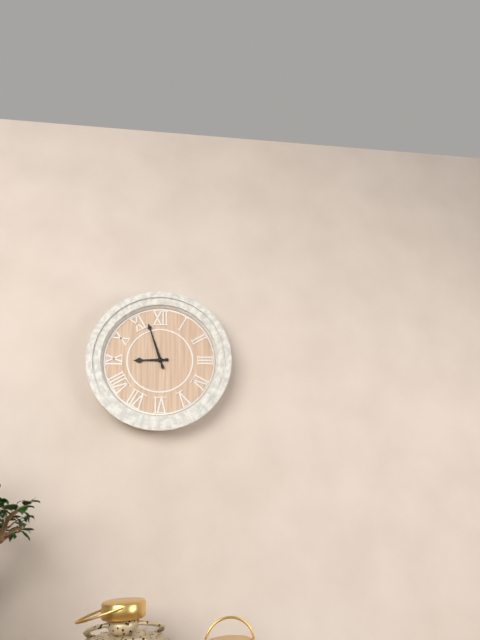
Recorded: 8:57
